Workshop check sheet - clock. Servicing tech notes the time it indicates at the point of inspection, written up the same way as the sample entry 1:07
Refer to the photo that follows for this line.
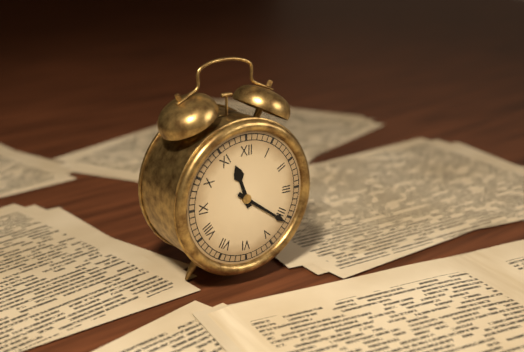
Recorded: 11:21
